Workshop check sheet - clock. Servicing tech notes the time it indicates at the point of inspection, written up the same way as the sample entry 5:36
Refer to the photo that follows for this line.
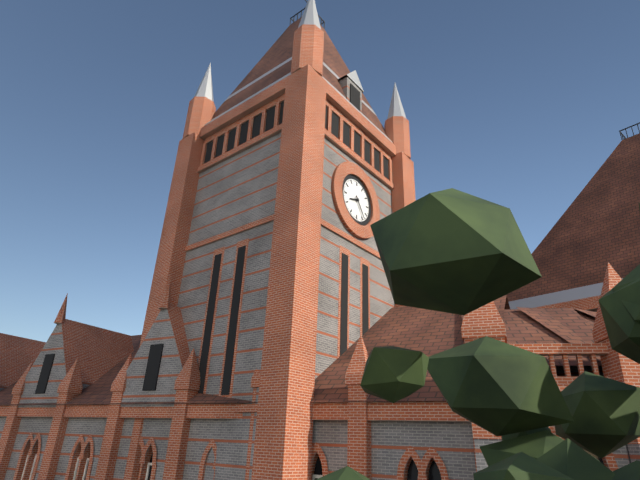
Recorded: 8:24
